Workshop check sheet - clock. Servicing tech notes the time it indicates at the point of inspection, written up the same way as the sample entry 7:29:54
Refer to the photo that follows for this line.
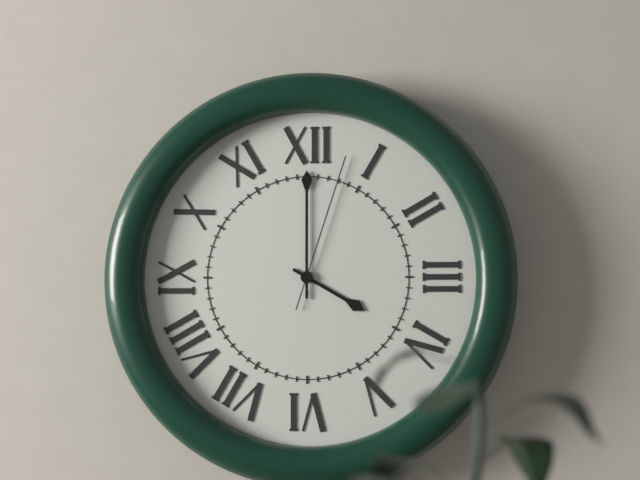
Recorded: 4:00:03
